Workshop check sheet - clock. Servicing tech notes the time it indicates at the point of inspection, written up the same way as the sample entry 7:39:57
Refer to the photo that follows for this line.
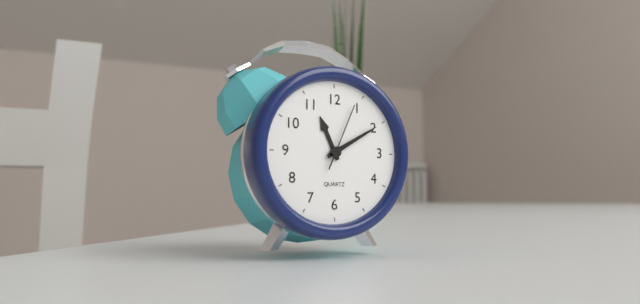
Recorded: 11:10:04
